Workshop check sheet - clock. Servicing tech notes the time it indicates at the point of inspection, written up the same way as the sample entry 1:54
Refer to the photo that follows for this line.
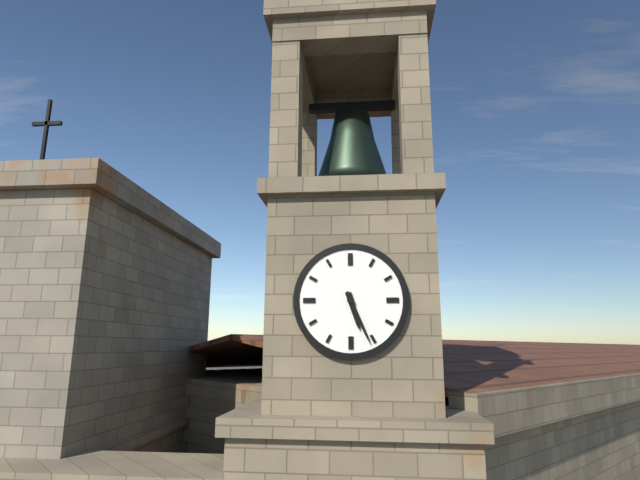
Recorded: 5:26
